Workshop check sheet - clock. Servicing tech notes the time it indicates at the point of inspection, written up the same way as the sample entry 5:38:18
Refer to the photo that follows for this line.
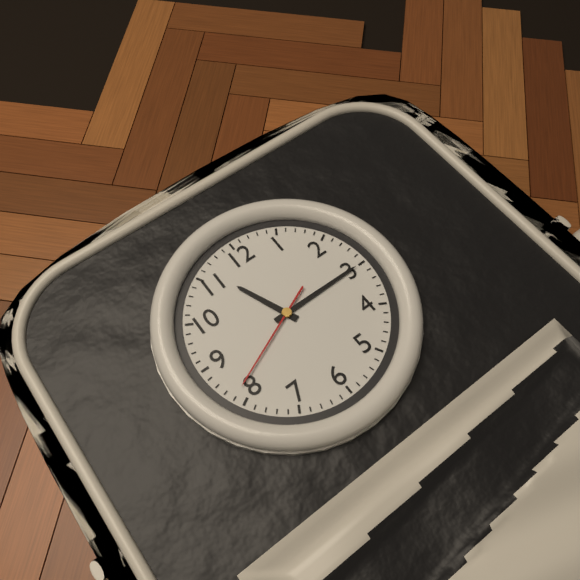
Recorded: 11:15:41
